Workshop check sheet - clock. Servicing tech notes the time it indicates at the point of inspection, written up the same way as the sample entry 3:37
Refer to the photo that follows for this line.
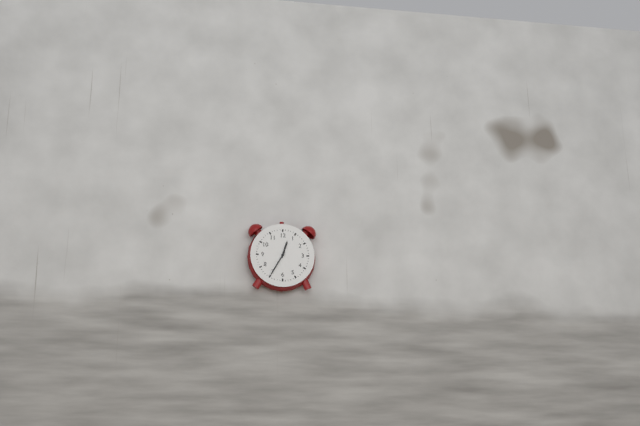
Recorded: 12:35
